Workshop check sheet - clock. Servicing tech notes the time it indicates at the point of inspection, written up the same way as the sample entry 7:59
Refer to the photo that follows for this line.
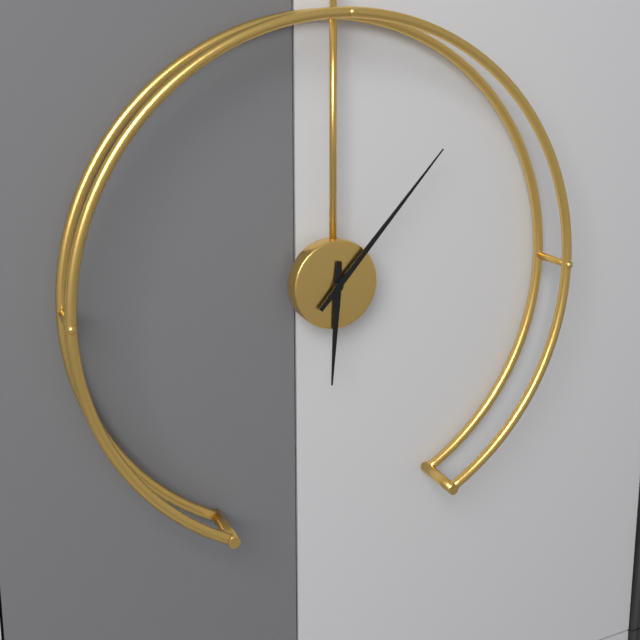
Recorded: 6:07
